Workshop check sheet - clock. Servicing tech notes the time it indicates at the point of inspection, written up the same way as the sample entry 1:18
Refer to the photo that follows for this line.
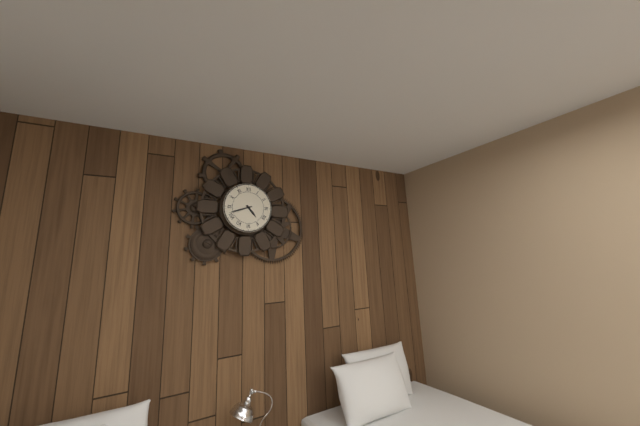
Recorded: 4:42
